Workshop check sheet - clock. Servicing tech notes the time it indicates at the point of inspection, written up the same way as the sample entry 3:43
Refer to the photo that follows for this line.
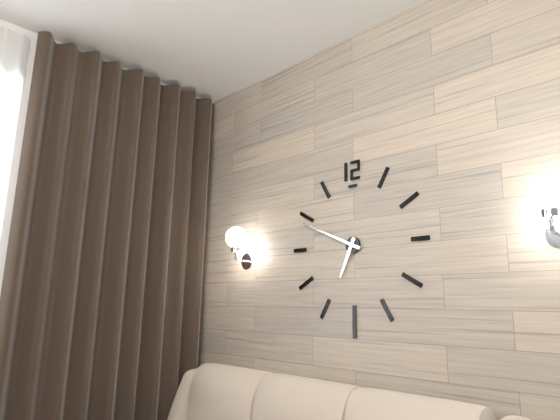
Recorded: 6:49
